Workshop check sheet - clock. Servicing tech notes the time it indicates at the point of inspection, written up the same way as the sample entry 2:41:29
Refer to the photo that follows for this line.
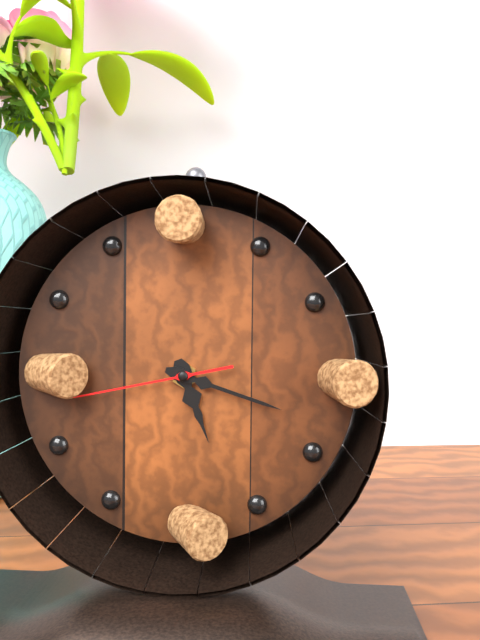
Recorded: 5:18:43
